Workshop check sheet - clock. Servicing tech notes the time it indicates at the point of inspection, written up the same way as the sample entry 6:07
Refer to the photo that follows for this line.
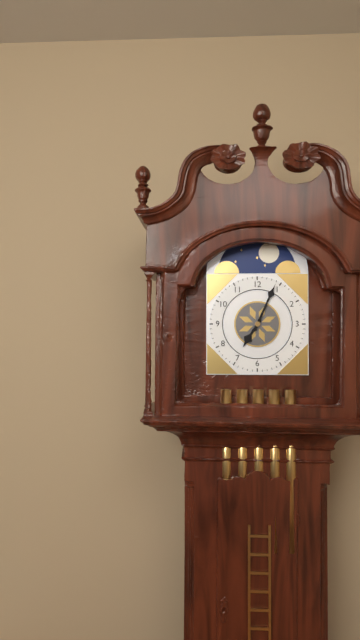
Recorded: 7:04
